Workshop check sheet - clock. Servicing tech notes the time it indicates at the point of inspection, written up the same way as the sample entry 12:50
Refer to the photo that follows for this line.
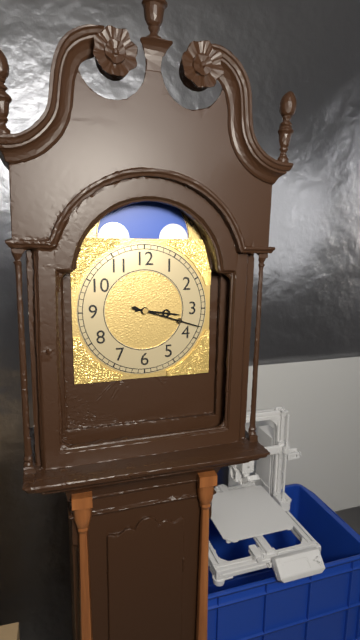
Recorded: 3:18
